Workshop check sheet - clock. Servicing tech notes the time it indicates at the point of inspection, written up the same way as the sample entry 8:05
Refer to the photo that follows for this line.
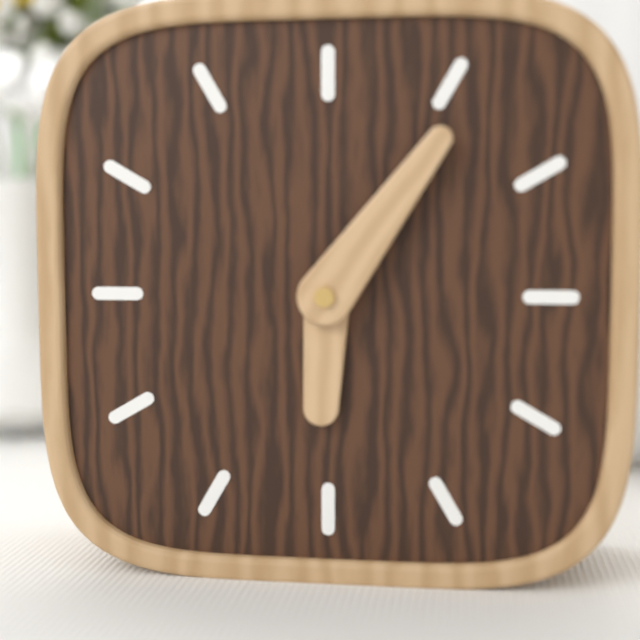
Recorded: 6:06
